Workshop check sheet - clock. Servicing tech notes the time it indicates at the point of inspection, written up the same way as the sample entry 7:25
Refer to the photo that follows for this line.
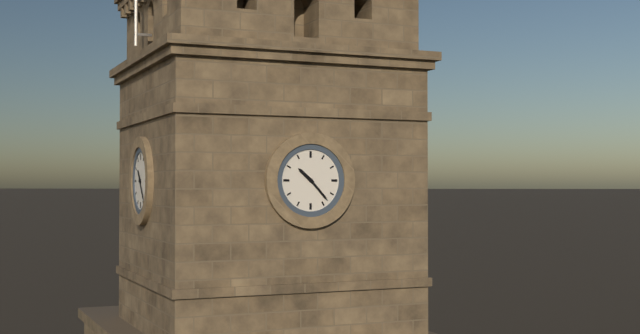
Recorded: 10:23
